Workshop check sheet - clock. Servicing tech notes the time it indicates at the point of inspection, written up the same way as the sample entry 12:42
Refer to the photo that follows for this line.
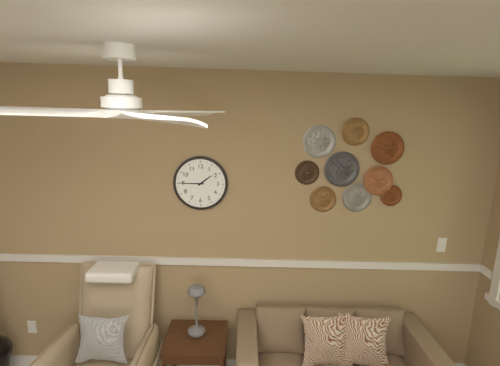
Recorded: 1:45
